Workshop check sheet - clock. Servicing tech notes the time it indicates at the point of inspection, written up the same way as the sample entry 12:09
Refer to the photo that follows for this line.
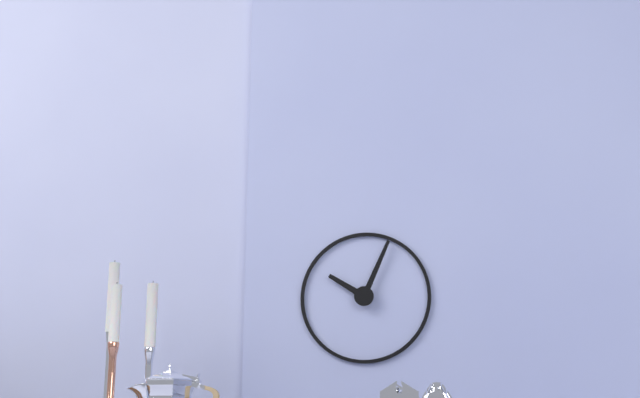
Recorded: 10:04
